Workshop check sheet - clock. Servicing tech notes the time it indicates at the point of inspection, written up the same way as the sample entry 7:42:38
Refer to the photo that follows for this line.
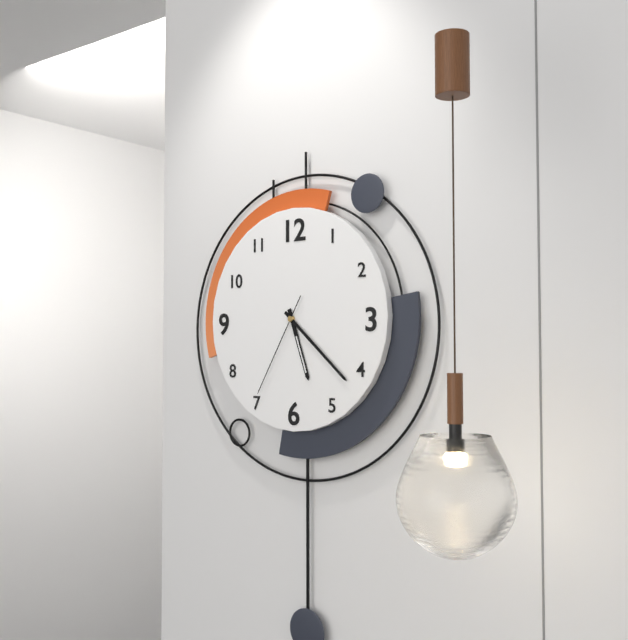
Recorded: 5:22:35
